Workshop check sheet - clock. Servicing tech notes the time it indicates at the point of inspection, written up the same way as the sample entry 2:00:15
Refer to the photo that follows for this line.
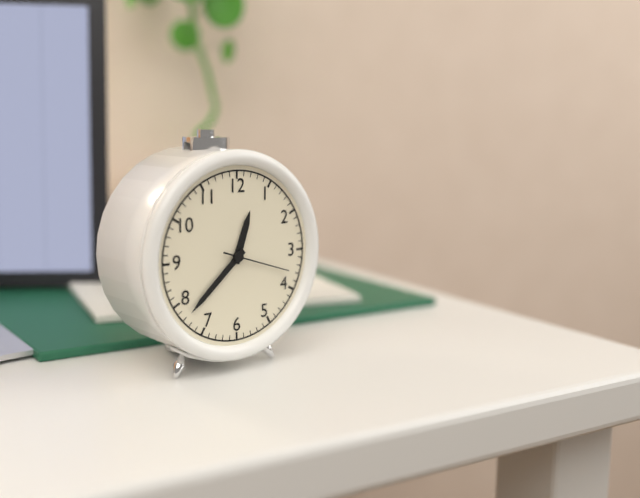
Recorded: 12:38:18
